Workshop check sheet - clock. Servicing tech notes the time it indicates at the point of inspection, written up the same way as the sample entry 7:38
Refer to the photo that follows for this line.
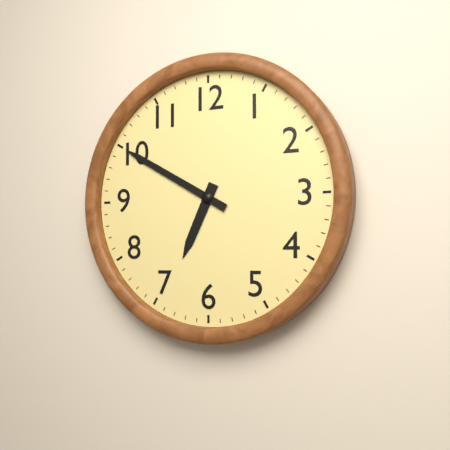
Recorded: 6:50
